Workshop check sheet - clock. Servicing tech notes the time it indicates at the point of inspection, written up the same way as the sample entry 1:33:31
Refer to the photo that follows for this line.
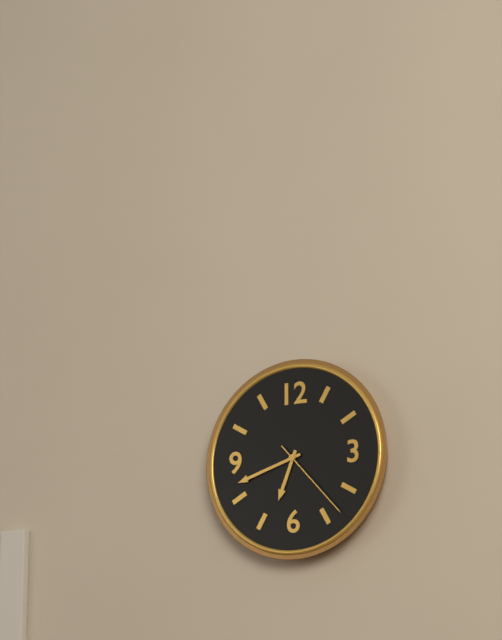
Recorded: 6:42:23
